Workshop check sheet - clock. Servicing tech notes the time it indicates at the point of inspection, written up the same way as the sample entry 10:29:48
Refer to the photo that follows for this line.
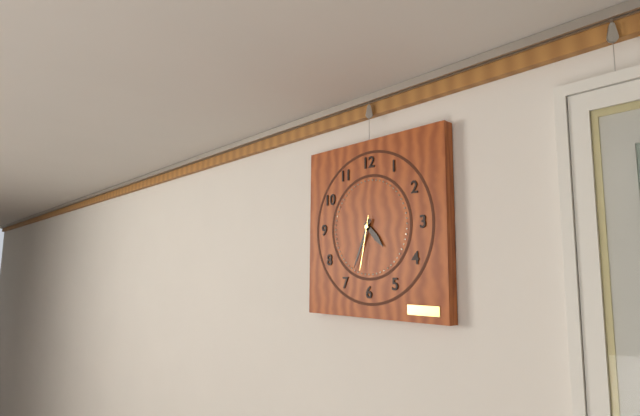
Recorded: 4:34:32
